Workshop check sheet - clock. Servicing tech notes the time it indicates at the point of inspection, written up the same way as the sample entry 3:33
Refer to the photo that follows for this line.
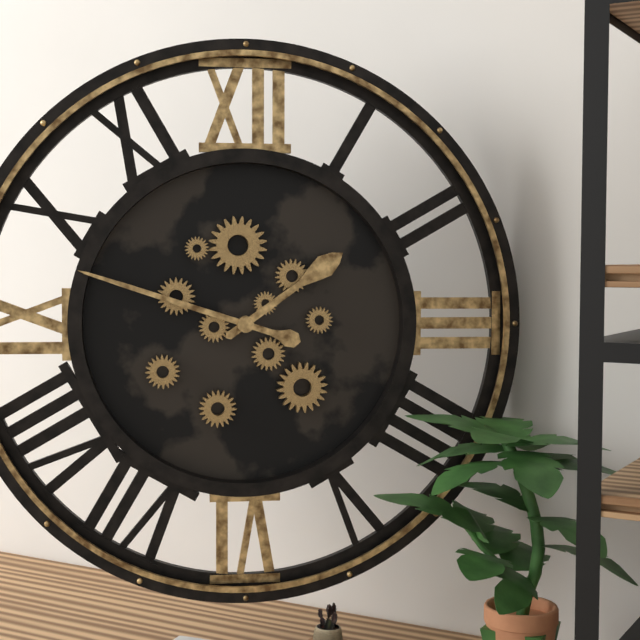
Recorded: 1:48
